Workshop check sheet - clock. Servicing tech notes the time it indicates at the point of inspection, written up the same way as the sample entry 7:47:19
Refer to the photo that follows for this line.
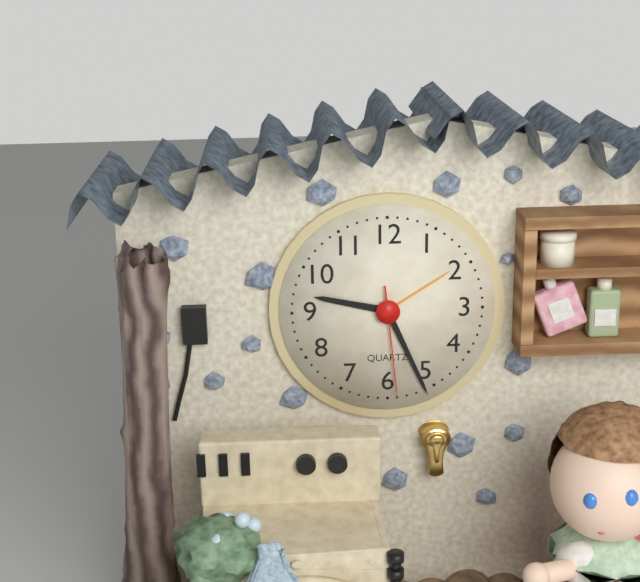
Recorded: 9:26:29
